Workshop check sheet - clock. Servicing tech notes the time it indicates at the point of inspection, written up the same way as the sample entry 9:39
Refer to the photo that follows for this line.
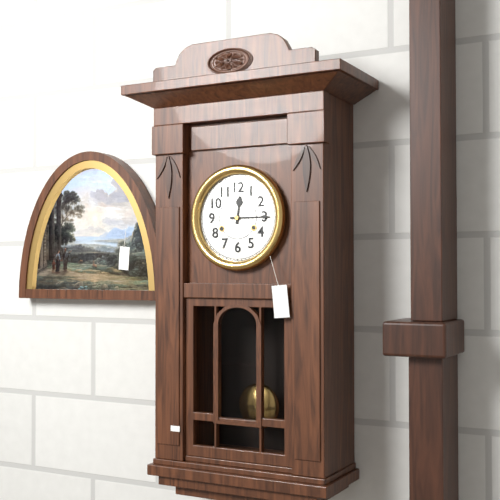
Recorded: 12:15
